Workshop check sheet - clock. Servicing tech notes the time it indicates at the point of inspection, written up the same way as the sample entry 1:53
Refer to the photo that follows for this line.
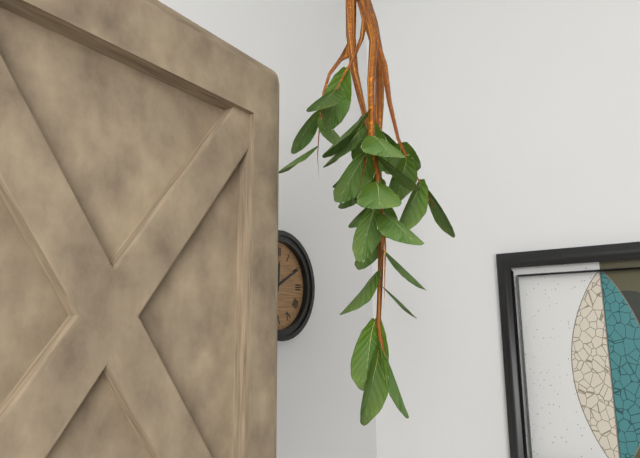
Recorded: 12:10
